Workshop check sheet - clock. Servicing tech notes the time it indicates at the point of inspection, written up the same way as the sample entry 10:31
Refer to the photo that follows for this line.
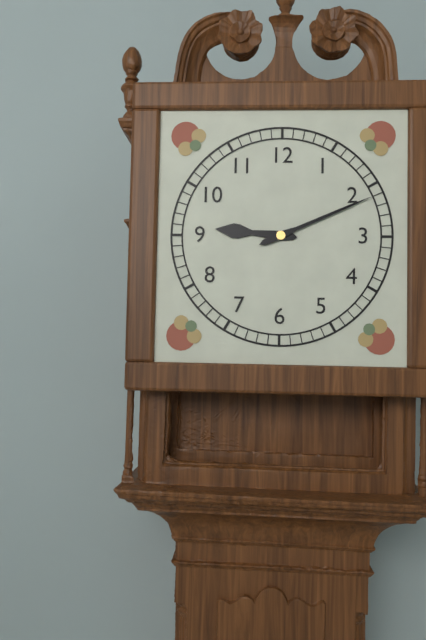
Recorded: 9:11
